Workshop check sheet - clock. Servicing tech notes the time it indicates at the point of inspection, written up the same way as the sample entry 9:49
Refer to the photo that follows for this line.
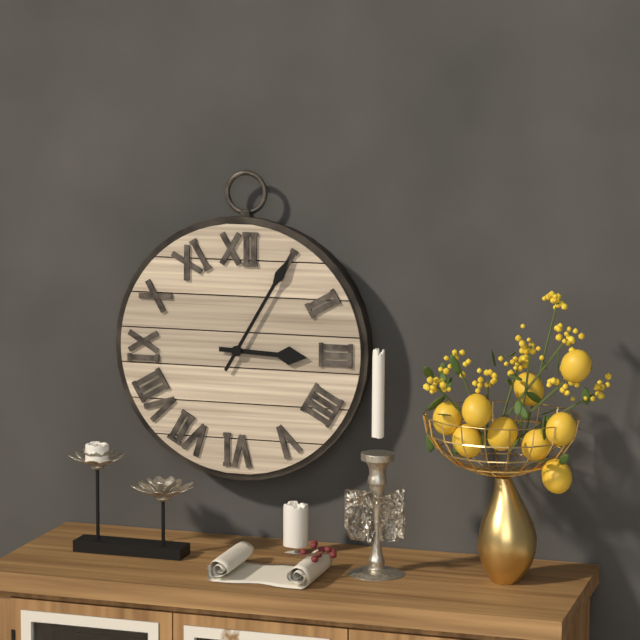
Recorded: 3:05
